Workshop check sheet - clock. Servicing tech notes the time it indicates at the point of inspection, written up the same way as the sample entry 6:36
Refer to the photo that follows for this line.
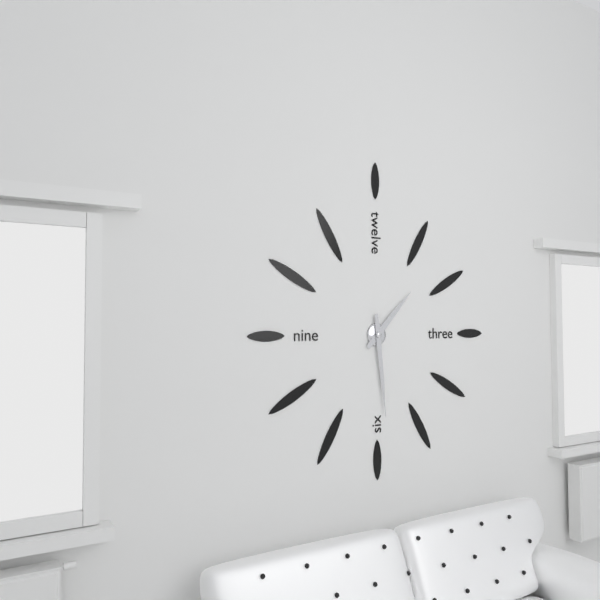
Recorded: 1:29
